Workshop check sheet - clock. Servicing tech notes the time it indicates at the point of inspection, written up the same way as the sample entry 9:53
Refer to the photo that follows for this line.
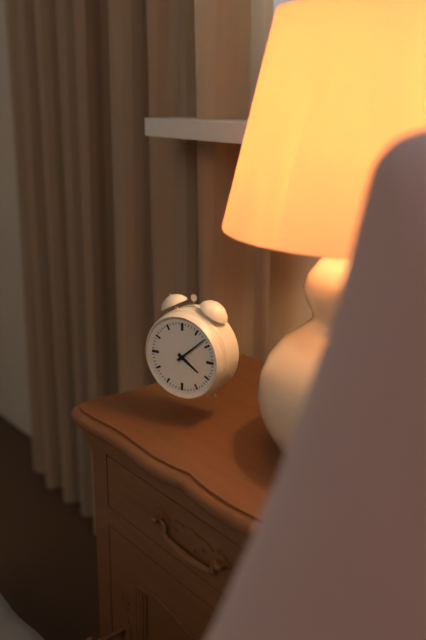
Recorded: 4:08
